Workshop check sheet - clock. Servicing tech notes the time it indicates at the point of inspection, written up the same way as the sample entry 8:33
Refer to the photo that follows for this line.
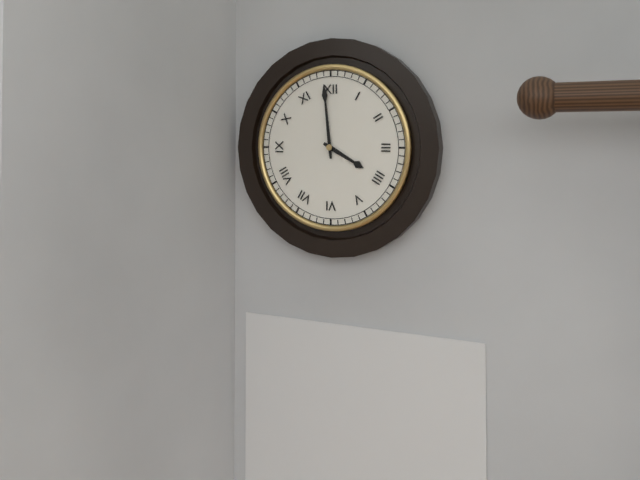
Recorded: 3:59
